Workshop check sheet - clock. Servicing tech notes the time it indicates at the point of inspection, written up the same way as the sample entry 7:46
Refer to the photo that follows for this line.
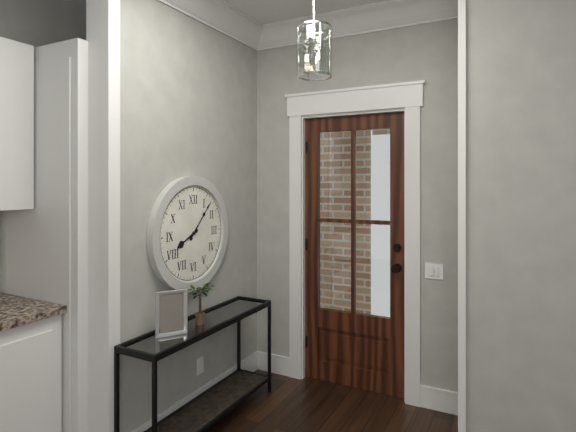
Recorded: 8:07
